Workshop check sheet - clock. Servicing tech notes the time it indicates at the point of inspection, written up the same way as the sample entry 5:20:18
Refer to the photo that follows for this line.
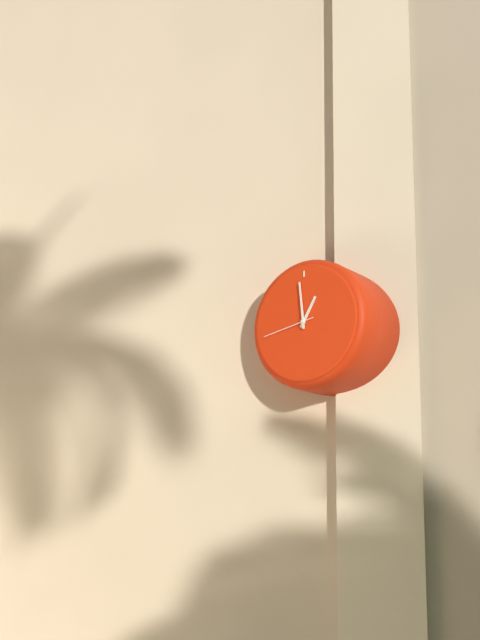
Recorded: 12:59:43
